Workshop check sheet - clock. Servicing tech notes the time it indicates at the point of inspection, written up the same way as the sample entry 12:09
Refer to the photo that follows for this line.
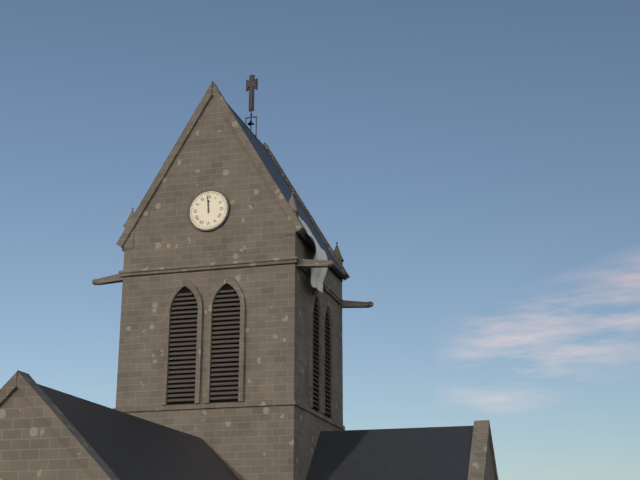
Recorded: 11:59
